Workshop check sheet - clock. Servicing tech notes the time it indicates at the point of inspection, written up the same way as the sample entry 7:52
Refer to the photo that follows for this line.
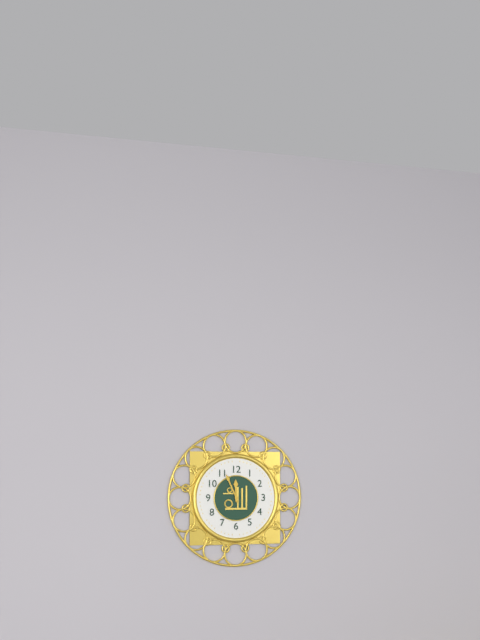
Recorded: 11:56
